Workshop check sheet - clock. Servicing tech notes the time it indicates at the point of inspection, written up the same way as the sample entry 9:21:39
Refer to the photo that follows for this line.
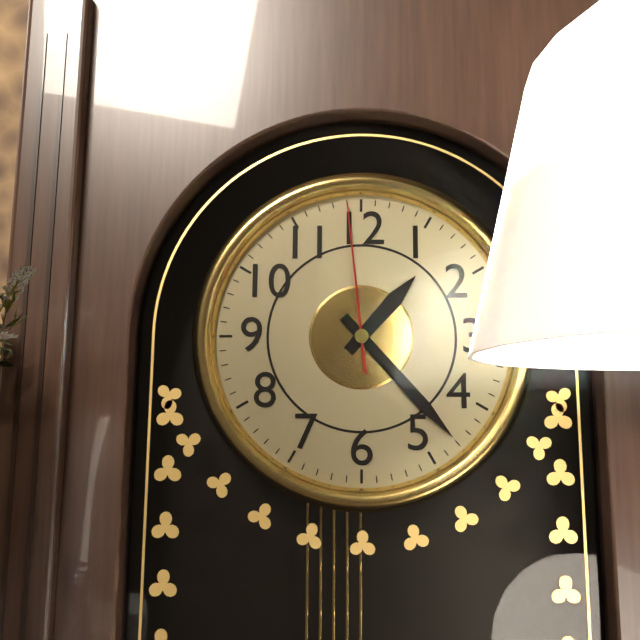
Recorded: 1:23:59
